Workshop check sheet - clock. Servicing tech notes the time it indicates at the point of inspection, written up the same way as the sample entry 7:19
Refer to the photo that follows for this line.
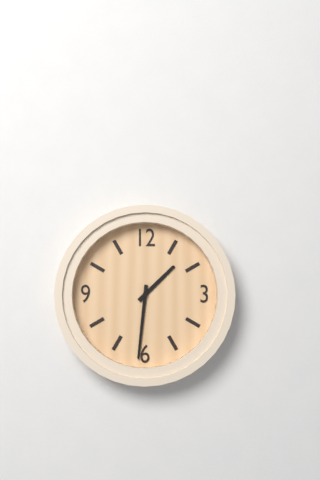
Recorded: 1:31
